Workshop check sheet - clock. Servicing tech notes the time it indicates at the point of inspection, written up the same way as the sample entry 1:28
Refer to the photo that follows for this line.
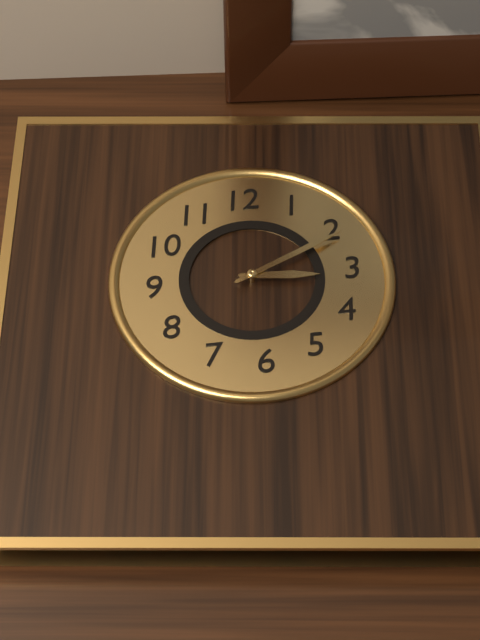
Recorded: 3:11
